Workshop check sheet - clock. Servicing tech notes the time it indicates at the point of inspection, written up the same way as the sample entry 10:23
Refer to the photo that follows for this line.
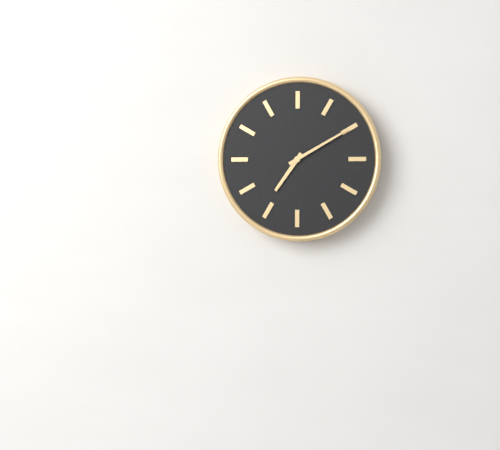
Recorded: 7:10
